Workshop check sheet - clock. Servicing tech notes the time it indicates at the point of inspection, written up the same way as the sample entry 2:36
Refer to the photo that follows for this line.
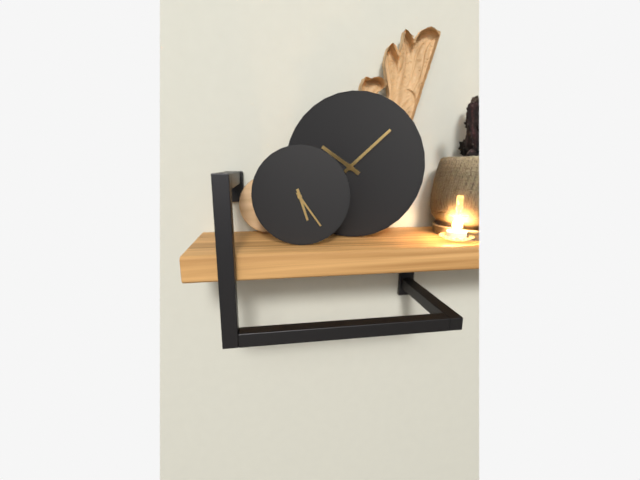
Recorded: 5:24
